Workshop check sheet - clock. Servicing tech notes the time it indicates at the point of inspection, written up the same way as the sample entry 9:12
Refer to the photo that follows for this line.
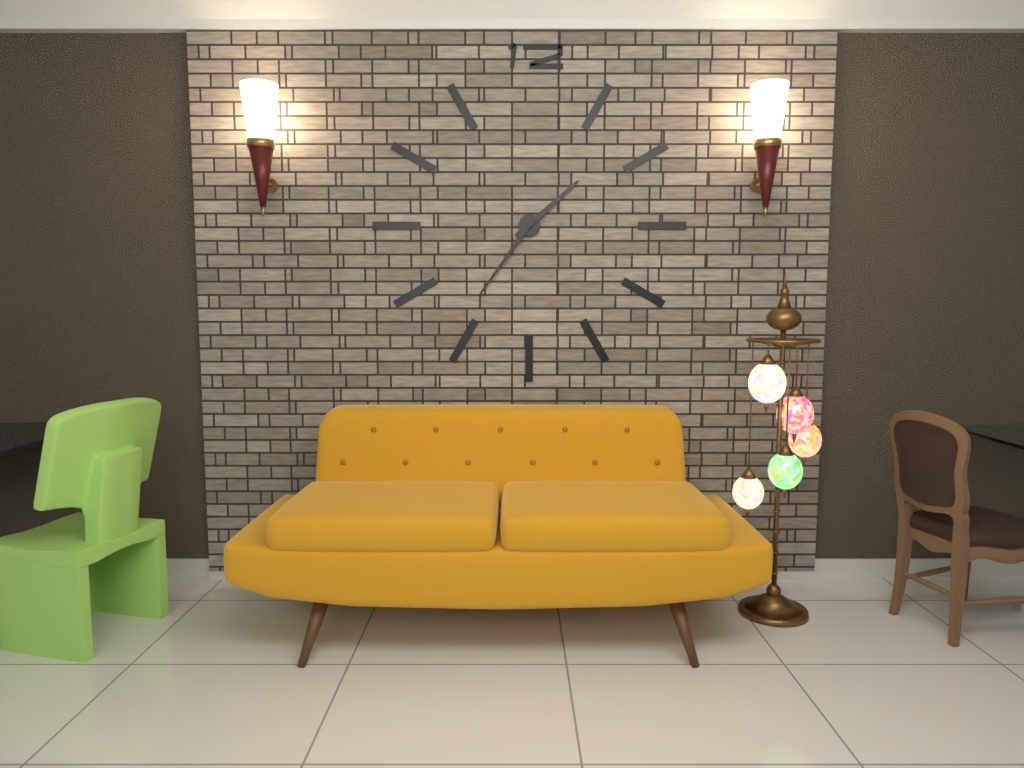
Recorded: 1:36
